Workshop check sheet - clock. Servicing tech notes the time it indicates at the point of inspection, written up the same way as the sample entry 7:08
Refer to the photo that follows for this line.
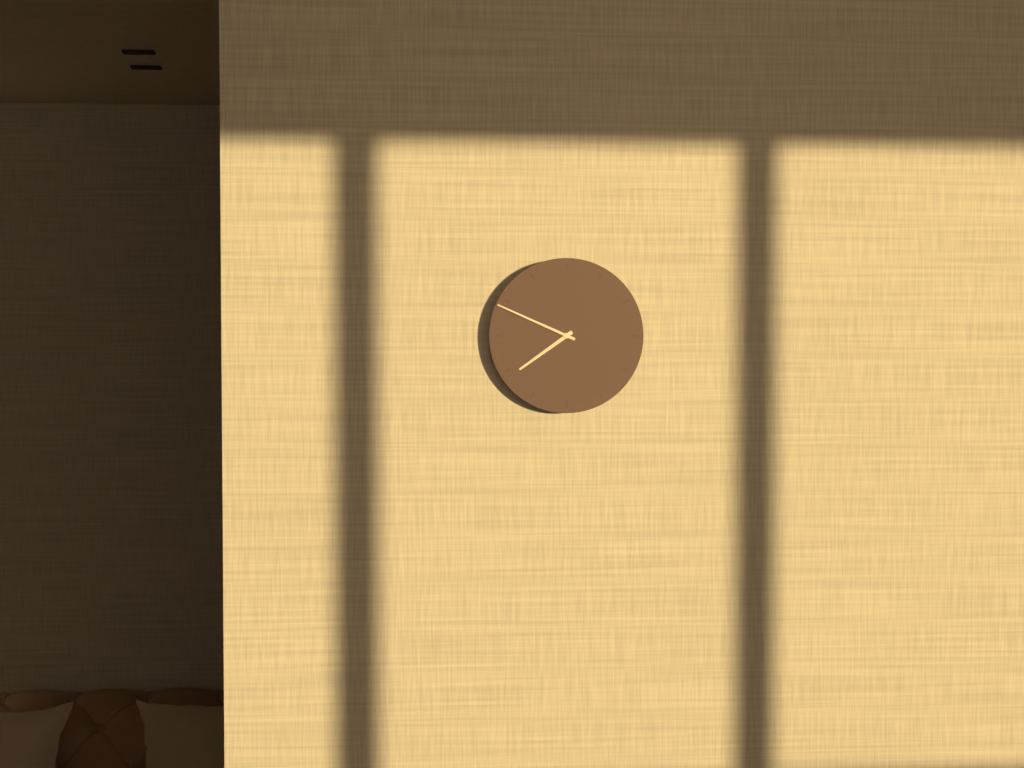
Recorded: 7:49
